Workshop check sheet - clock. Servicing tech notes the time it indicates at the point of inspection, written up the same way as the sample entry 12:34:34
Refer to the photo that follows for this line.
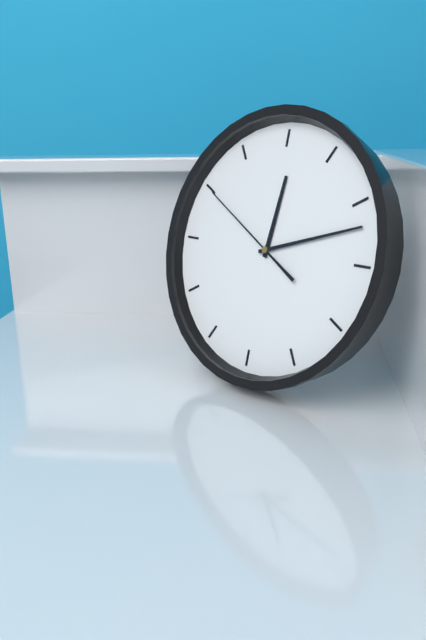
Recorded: 12:12:50
